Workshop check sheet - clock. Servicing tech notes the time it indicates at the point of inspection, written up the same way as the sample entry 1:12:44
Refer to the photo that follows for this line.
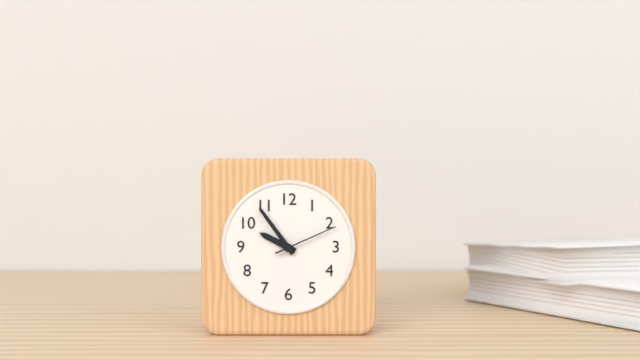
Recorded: 9:54:11
